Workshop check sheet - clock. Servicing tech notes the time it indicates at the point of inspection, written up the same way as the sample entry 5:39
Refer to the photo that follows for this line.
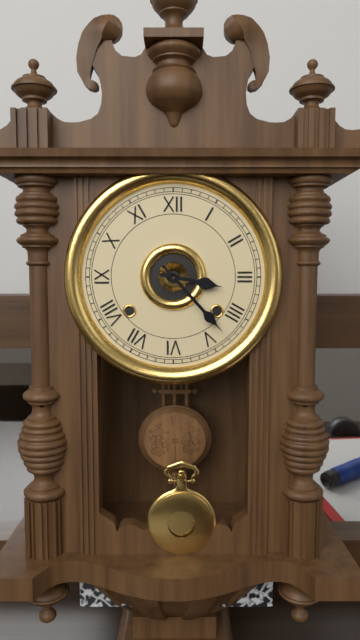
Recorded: 3:23
